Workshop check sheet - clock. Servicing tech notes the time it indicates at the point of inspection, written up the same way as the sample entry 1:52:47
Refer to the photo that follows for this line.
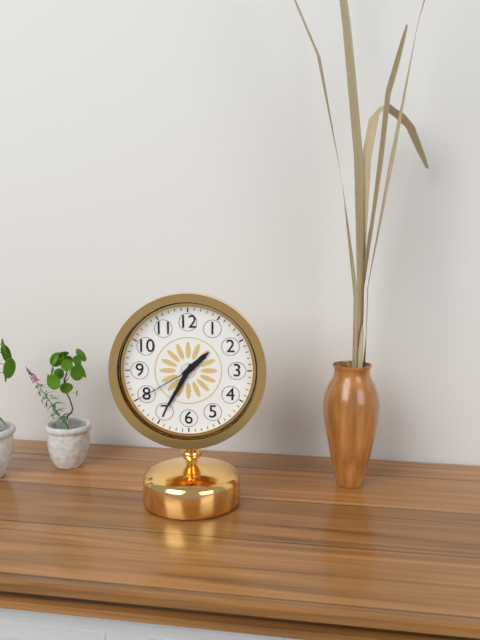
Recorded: 1:35:40
